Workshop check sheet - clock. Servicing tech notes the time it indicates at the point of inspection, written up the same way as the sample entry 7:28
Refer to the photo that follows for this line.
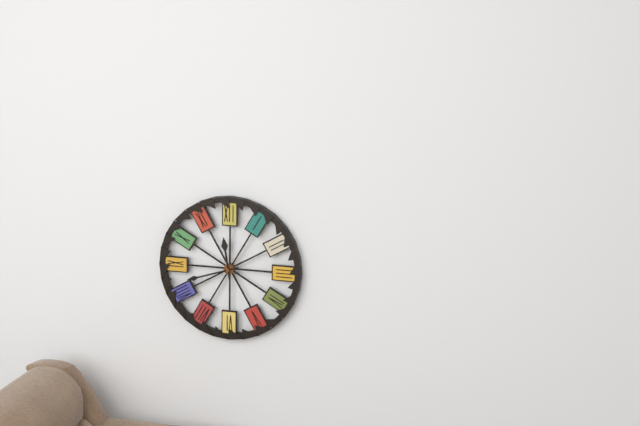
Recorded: 11:42
